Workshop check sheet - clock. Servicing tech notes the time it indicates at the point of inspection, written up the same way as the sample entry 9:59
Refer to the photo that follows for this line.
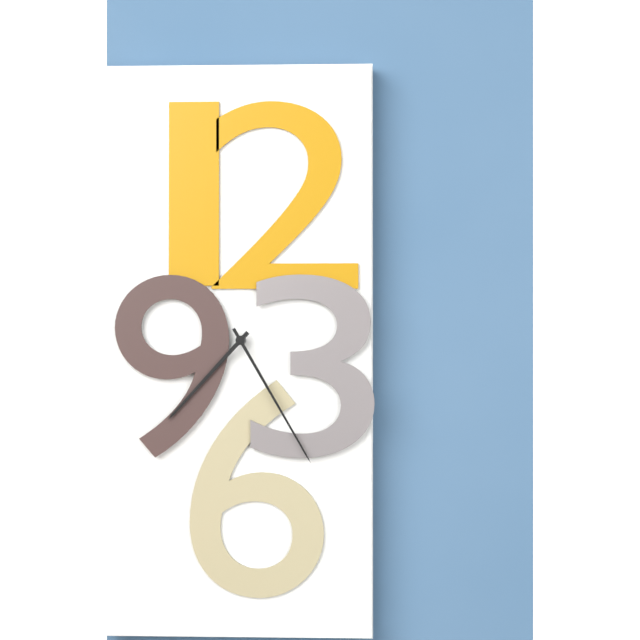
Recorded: 7:25
